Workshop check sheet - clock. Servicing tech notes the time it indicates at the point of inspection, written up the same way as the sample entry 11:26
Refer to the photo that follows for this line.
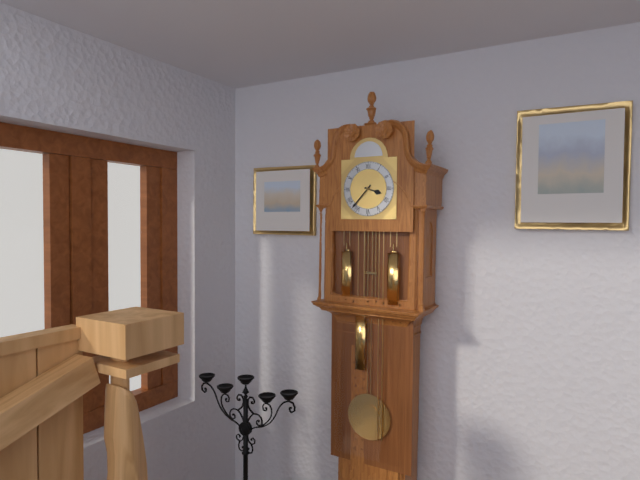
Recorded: 3:37
